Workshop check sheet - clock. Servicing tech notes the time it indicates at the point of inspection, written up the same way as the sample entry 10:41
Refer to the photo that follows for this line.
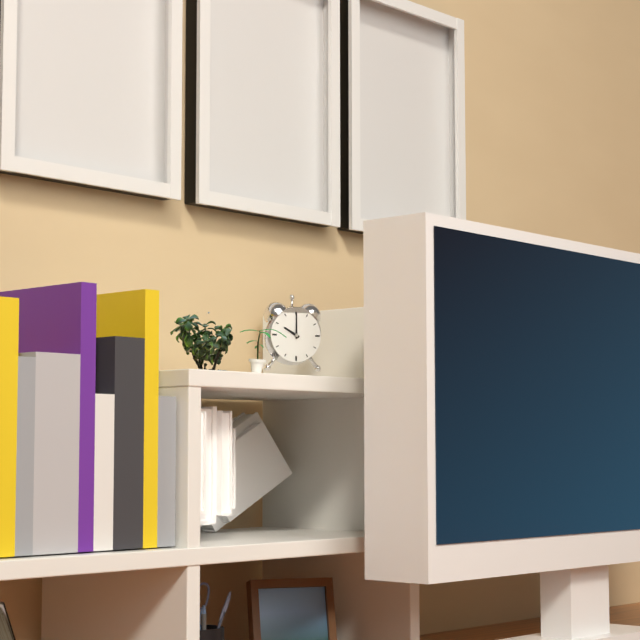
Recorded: 10:00
